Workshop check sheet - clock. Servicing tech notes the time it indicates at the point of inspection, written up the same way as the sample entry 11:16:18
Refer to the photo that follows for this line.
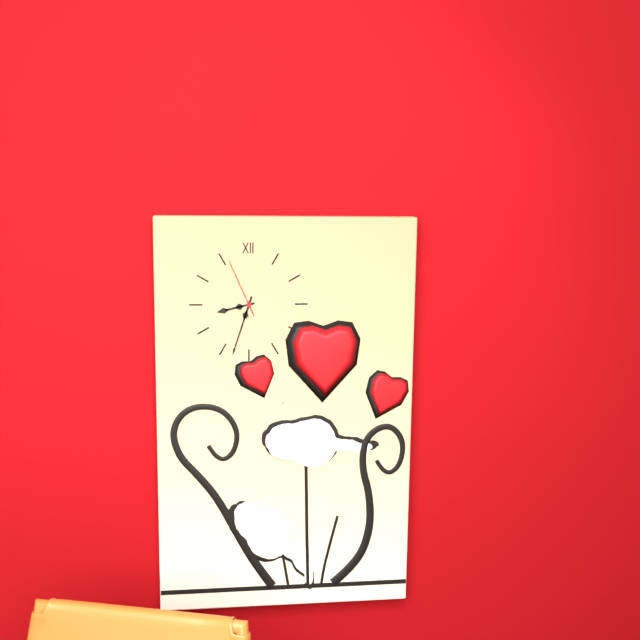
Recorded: 8:33:56
